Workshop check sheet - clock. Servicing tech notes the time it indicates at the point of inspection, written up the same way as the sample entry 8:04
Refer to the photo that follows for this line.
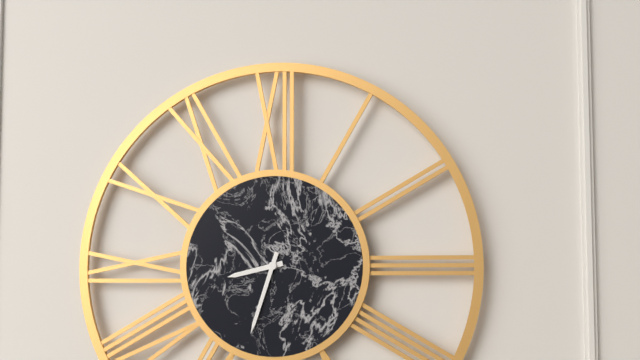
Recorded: 8:33
